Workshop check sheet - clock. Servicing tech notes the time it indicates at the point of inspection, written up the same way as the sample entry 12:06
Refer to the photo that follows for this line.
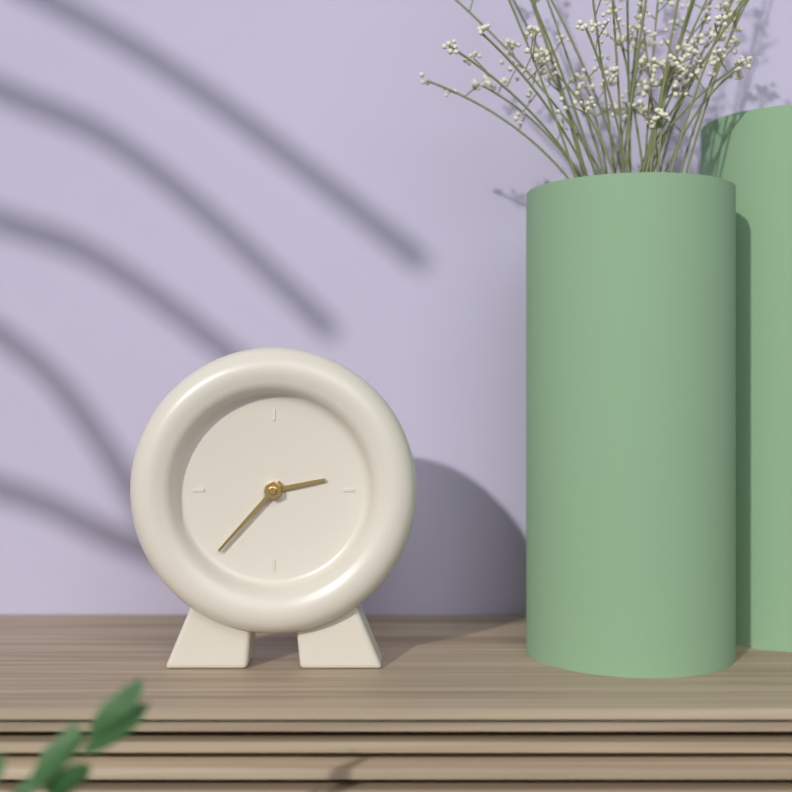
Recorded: 2:37
